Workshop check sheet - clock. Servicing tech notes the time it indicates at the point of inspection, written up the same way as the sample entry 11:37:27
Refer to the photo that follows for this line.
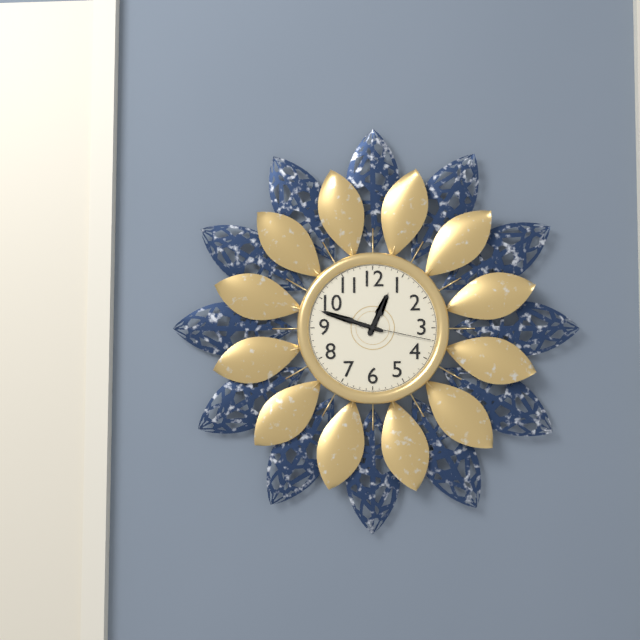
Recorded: 12:48:17
